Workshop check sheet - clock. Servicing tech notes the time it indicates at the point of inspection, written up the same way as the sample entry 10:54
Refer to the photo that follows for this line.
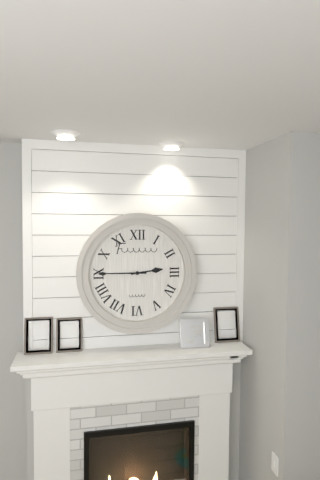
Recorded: 2:45
